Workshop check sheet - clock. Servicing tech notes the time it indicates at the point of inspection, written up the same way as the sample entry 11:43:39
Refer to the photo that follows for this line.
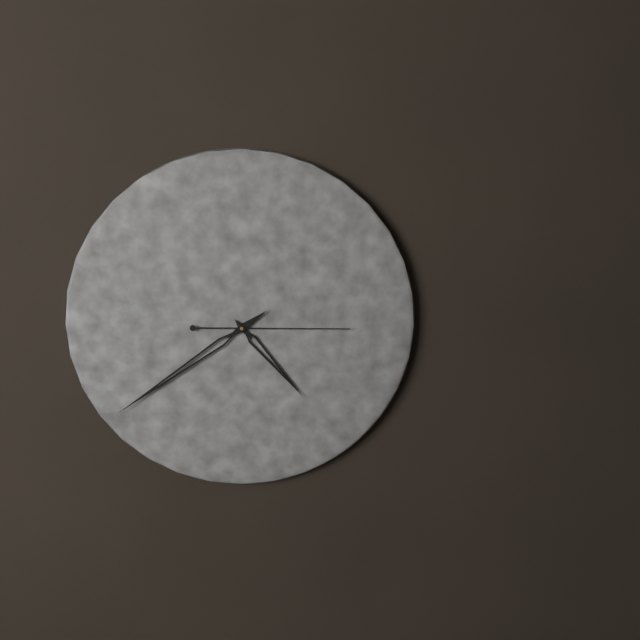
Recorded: 4:39:15
